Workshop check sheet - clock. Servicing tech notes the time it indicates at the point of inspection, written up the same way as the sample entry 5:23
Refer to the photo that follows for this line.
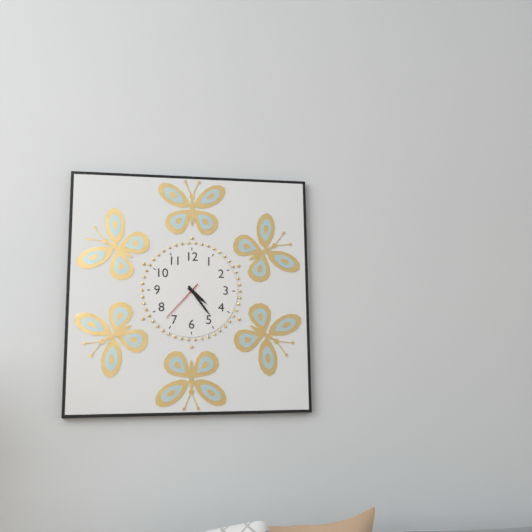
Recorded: 4:24
